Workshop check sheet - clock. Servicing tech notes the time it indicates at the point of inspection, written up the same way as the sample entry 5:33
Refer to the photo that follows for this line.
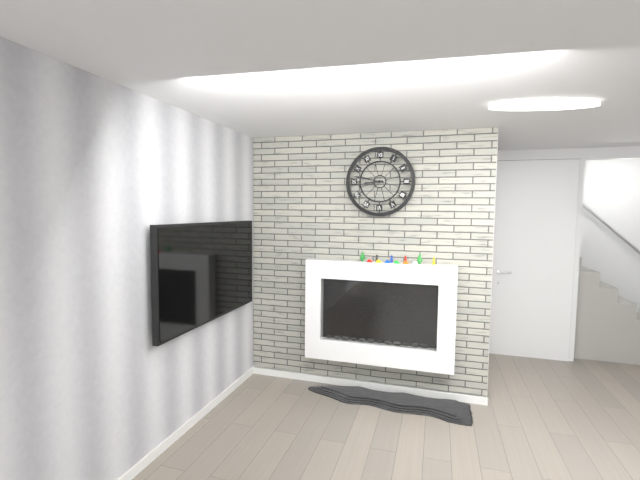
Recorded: 8:47
